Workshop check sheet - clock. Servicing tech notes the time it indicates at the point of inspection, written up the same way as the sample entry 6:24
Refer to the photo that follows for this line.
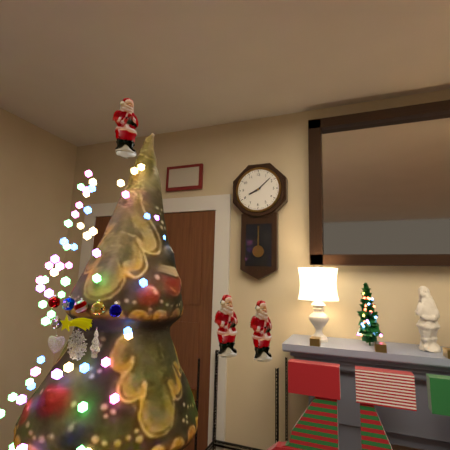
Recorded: 8:08
